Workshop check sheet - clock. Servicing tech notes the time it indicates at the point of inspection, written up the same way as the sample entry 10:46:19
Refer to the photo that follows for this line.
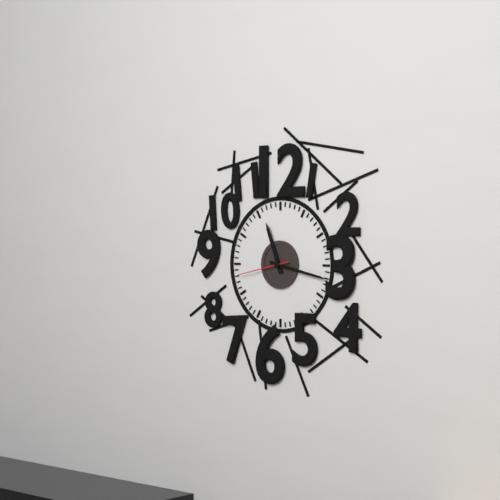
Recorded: 11:17:43
